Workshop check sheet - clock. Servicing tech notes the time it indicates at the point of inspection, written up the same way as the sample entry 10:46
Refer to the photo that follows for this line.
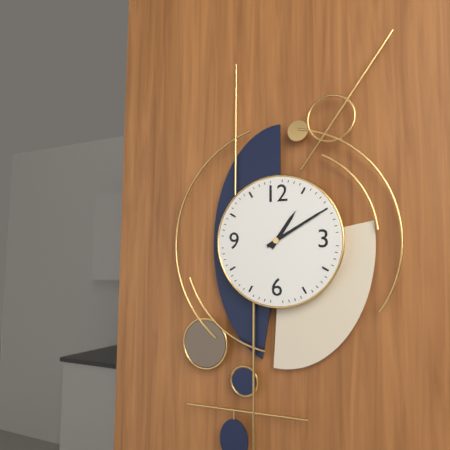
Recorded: 1:10
